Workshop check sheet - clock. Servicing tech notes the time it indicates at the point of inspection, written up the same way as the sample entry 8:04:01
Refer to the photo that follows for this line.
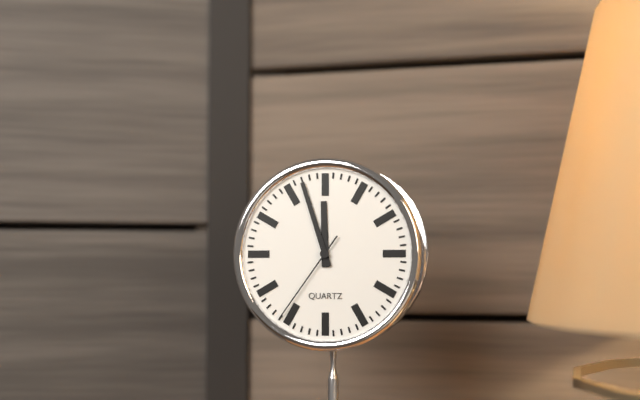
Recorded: 11:57:36
